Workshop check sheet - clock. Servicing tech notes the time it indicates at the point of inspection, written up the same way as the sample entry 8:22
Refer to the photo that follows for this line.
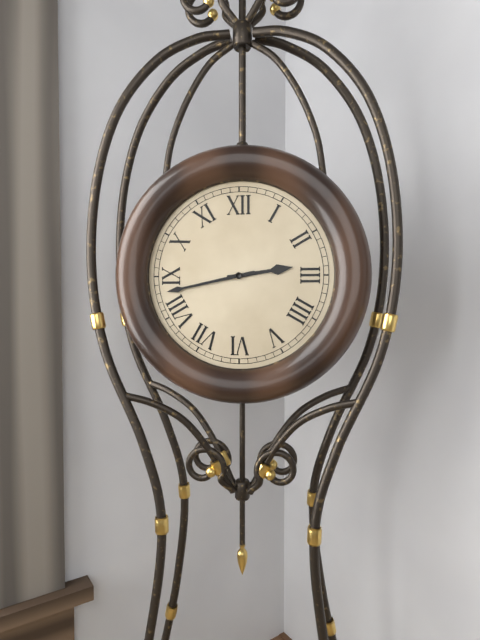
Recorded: 2:43
